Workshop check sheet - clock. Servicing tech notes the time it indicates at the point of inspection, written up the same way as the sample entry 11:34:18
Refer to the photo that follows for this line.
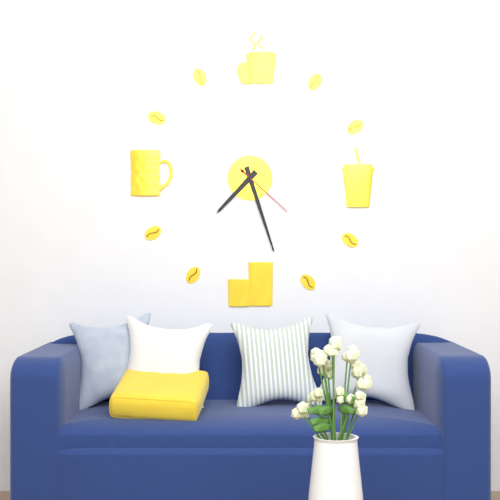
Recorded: 7:27:22
